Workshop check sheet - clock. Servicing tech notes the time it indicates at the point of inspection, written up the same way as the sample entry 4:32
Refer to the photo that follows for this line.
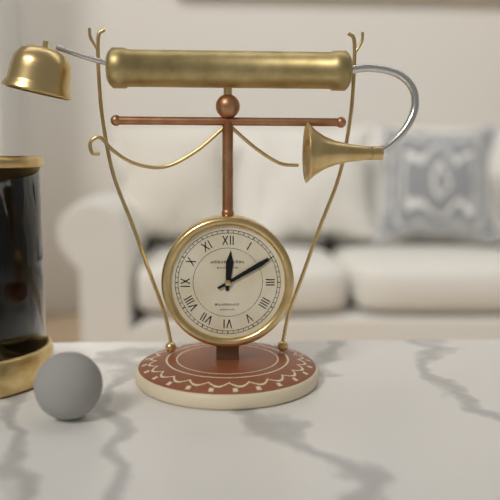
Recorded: 12:10
